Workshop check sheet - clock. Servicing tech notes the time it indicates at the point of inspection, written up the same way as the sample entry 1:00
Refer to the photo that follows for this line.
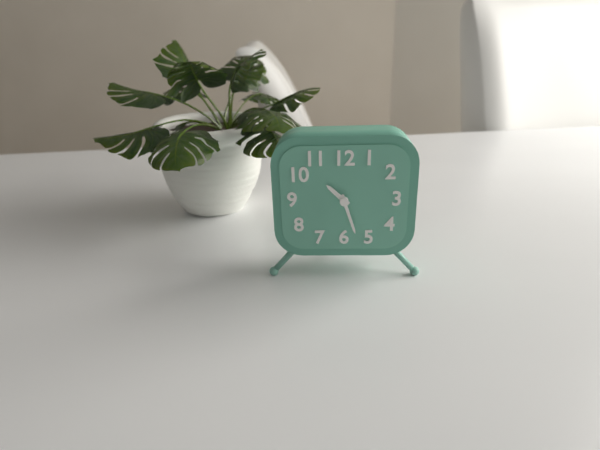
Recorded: 10:27
